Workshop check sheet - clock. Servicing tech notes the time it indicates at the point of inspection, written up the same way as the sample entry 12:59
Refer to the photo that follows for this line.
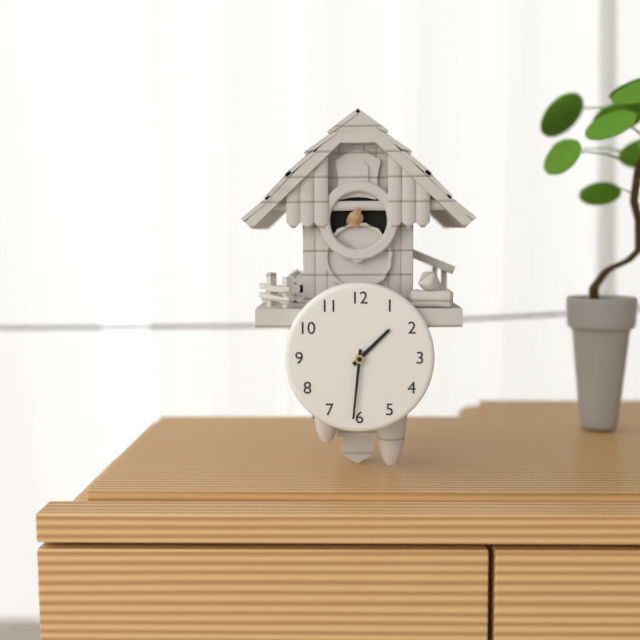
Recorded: 1:31
